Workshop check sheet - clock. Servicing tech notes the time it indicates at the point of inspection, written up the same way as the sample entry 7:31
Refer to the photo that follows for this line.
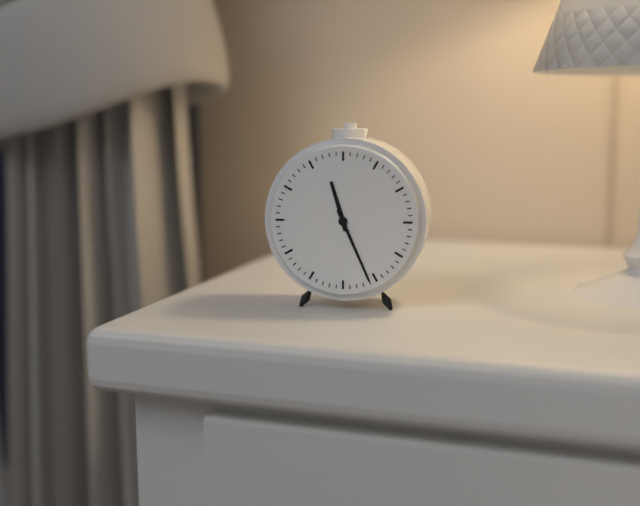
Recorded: 11:26
